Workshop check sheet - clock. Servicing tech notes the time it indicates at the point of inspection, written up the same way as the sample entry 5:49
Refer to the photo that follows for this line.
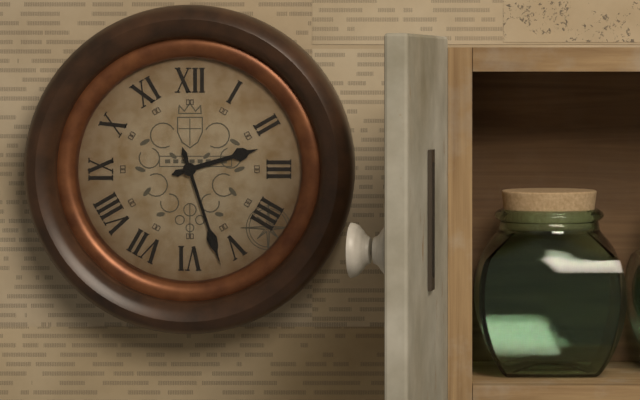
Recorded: 2:27
